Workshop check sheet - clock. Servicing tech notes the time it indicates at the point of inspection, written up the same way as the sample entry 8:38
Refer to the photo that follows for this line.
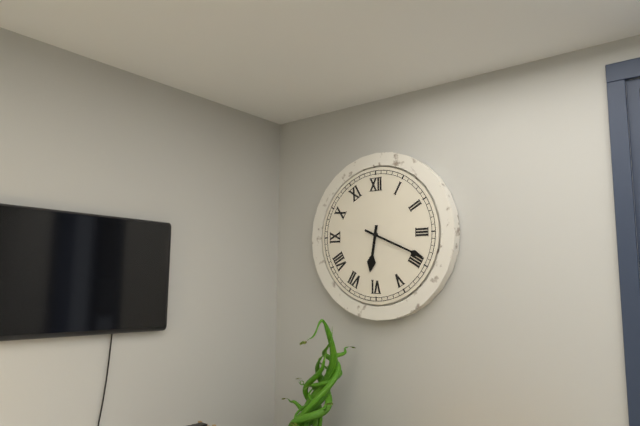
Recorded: 6:19
